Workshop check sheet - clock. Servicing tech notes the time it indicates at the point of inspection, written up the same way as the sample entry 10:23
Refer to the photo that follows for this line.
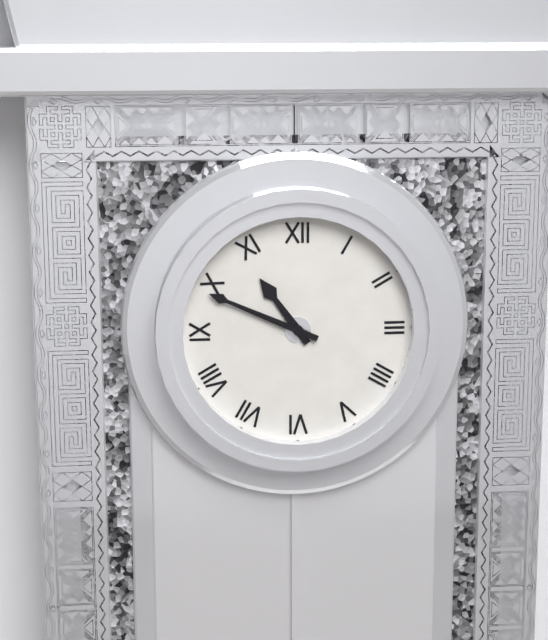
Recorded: 10:49
